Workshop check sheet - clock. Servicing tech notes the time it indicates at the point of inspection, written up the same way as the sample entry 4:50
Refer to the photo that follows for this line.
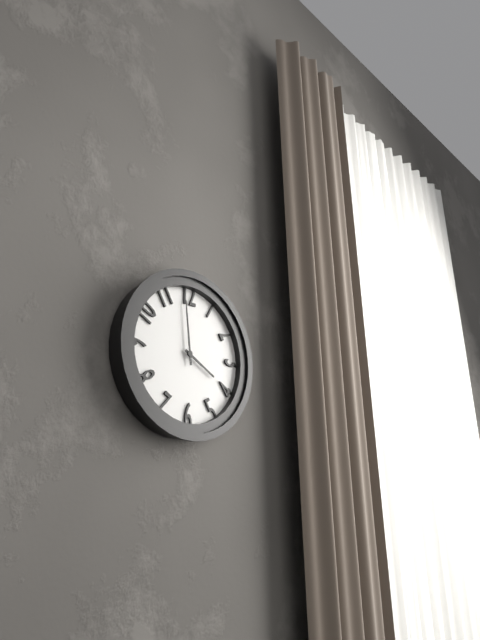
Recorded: 3:59
